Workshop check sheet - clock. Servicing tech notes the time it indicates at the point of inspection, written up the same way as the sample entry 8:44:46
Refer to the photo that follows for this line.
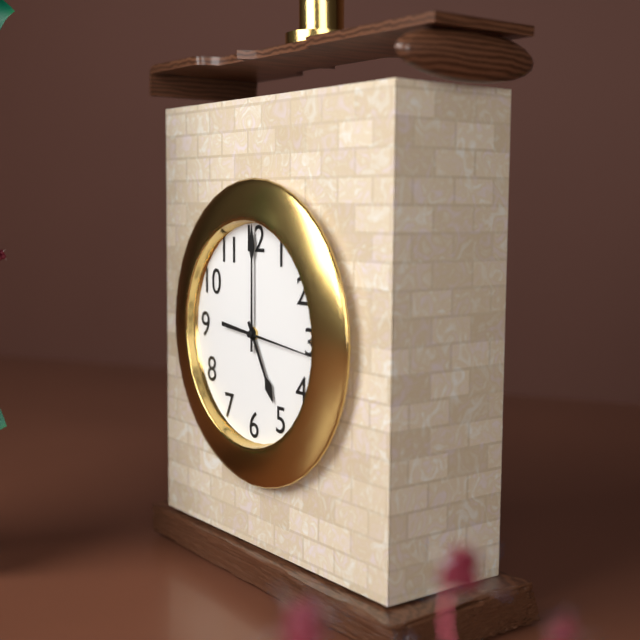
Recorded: 5:00:16
